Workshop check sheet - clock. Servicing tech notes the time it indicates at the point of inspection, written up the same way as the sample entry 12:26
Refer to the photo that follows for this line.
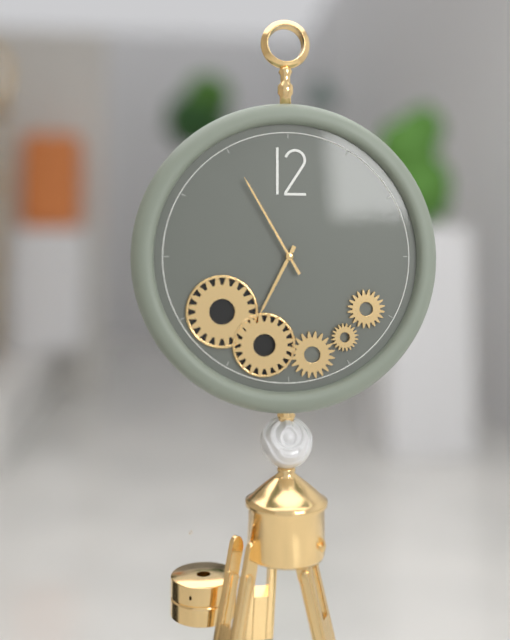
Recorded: 6:55
